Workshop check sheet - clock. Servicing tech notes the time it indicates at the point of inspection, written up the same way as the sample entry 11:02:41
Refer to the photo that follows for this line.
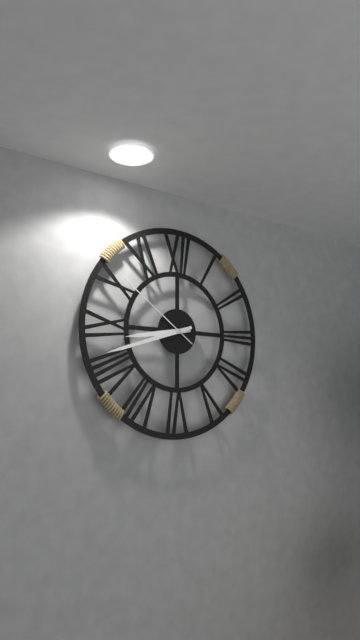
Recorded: 8:42:51
